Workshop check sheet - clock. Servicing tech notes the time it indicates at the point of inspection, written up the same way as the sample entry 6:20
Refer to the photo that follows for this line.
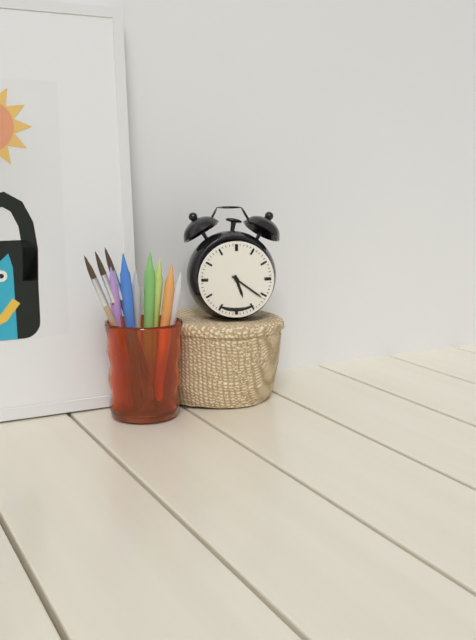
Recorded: 5:21
